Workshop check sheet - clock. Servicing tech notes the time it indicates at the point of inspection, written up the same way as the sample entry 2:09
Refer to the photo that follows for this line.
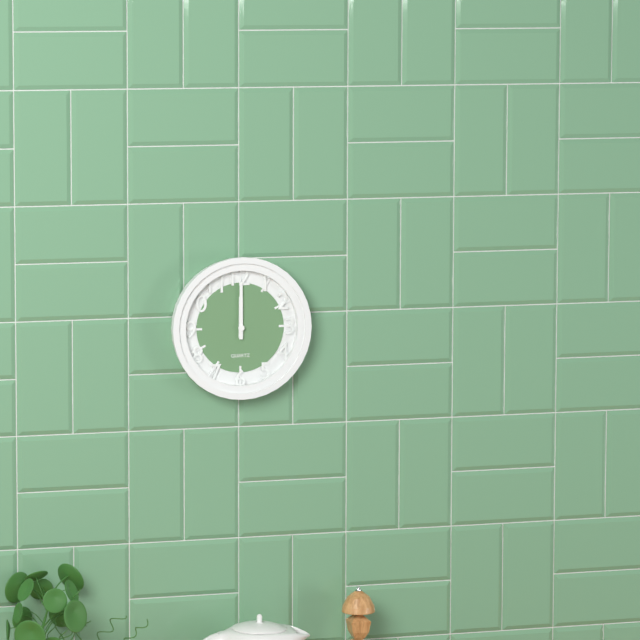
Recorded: 12:00
